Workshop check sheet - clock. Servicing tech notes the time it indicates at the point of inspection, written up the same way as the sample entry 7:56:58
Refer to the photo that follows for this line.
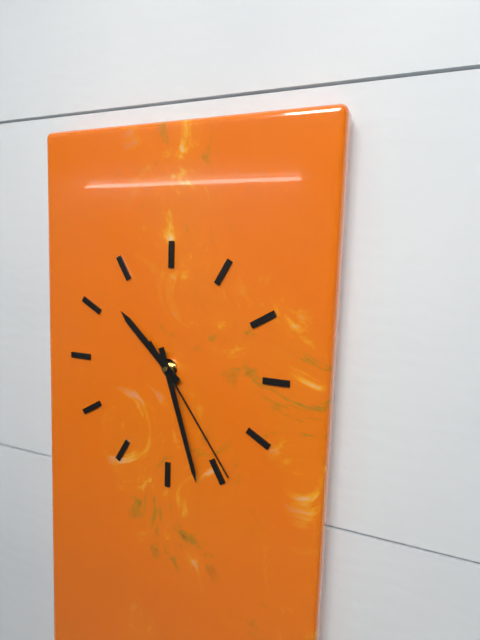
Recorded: 10:27:24
